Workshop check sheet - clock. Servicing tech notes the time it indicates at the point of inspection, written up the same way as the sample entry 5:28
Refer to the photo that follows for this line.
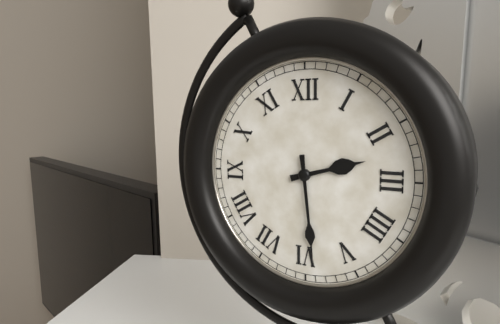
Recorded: 2:29
